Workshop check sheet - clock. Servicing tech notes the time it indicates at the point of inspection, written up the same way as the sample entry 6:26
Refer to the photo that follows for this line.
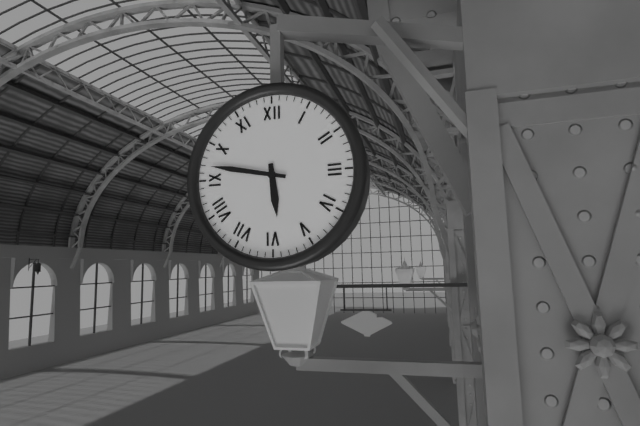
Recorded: 5:47
